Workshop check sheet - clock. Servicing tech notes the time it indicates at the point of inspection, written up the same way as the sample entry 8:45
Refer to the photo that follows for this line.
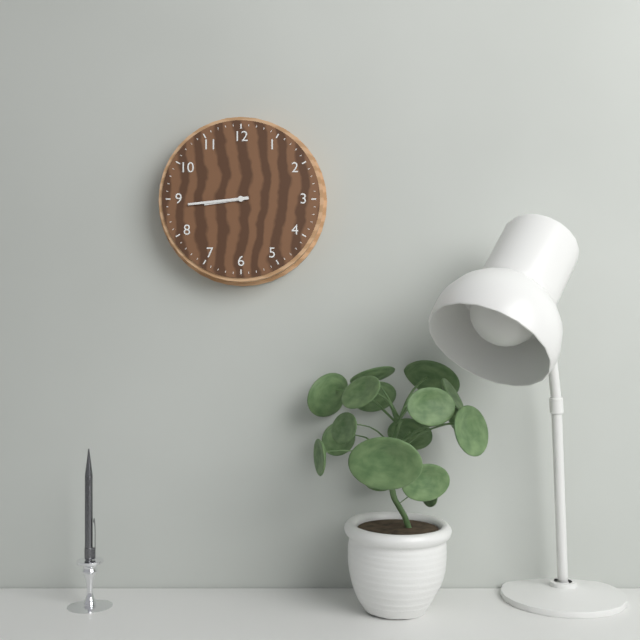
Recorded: 8:44
